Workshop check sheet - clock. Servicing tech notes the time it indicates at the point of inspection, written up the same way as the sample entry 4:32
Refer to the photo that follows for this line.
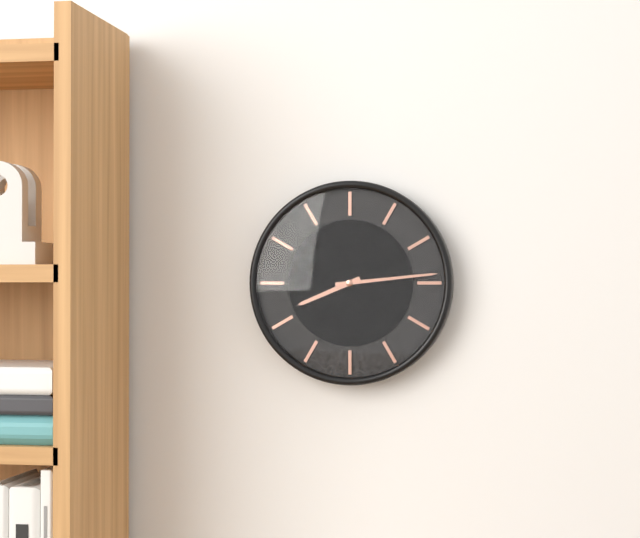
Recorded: 8:14
